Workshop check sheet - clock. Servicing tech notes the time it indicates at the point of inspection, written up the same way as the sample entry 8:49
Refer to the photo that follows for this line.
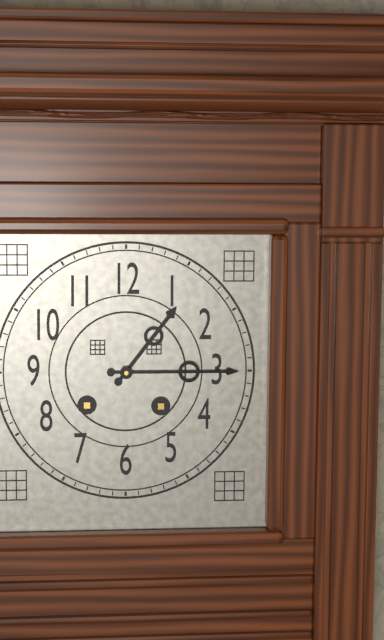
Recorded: 1:15
